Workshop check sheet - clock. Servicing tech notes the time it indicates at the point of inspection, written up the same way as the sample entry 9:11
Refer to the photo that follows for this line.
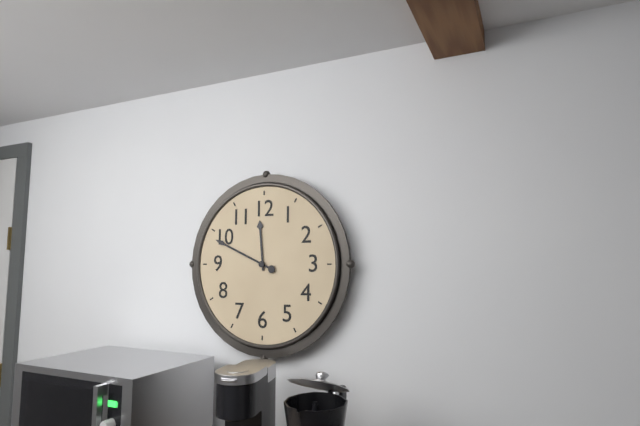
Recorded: 11:49
